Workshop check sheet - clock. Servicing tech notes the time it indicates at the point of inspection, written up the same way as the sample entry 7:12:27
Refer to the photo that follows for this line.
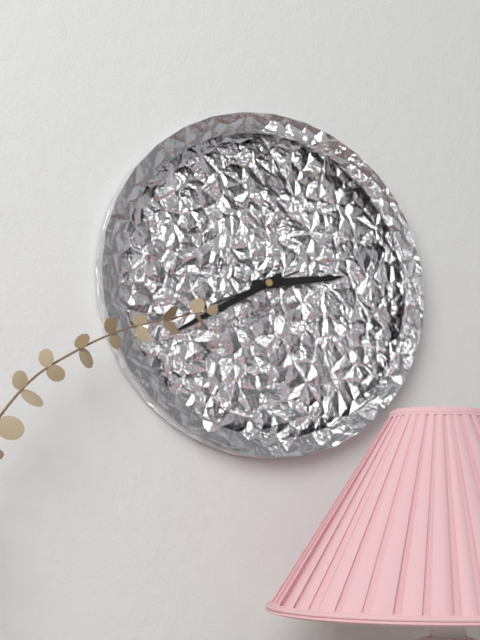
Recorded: 2:40:41
